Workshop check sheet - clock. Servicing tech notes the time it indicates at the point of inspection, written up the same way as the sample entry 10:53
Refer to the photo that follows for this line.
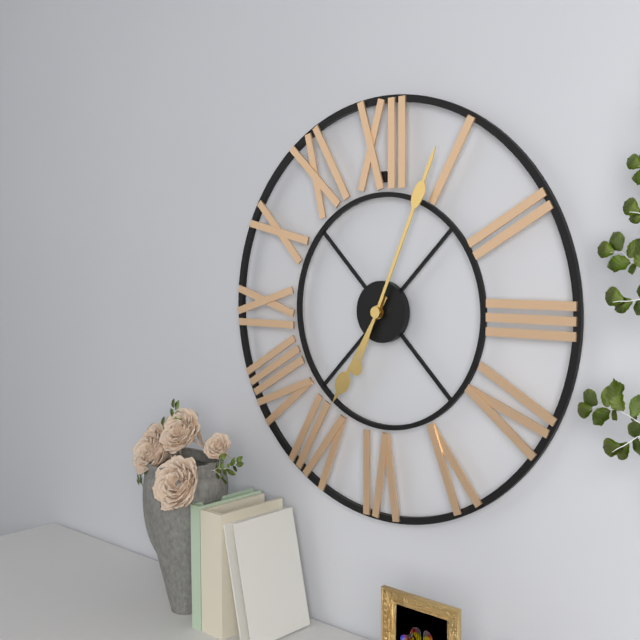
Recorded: 7:04
